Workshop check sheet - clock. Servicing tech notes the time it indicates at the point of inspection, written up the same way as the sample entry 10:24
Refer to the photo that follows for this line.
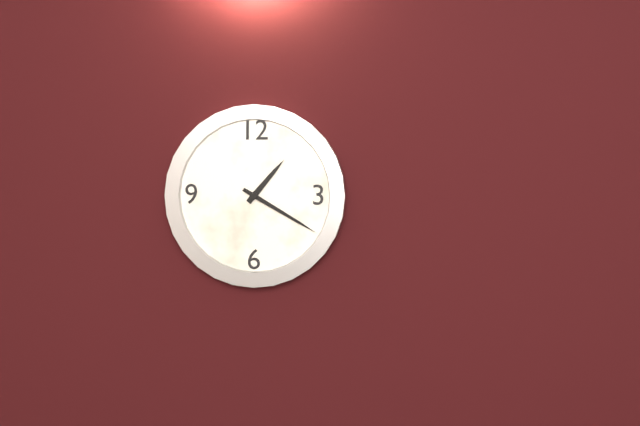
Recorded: 1:20
